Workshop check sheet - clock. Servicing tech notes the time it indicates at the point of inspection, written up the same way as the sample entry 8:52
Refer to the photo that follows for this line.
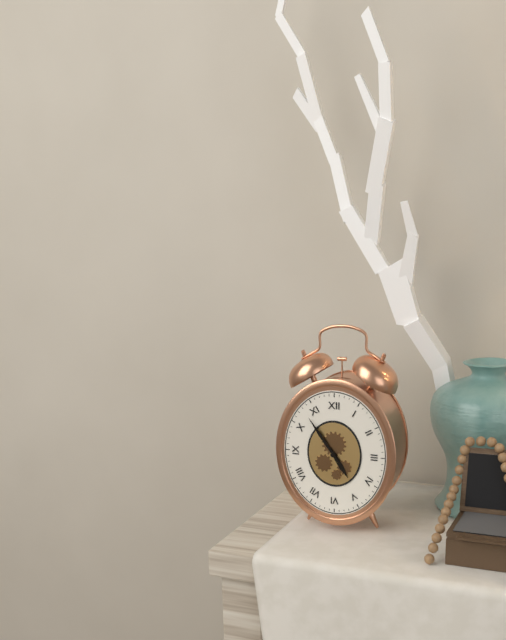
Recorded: 4:54
